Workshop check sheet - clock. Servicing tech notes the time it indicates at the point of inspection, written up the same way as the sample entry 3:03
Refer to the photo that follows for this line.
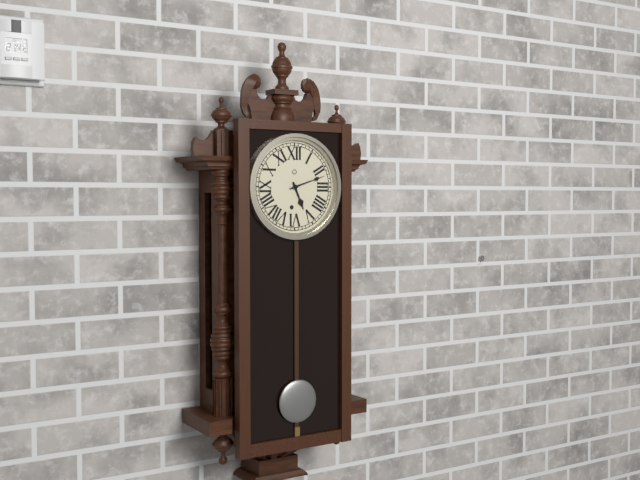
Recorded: 5:12
